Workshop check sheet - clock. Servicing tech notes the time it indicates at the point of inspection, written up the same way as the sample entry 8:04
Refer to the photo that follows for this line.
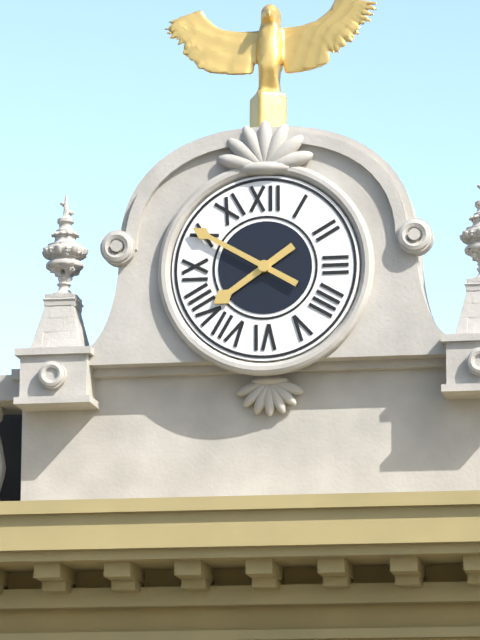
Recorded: 7:50
